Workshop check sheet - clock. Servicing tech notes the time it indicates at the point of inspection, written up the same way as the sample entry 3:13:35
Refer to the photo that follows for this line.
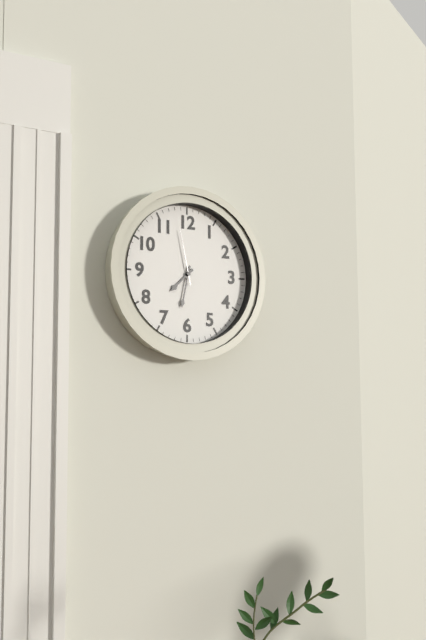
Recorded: 7:32:58
